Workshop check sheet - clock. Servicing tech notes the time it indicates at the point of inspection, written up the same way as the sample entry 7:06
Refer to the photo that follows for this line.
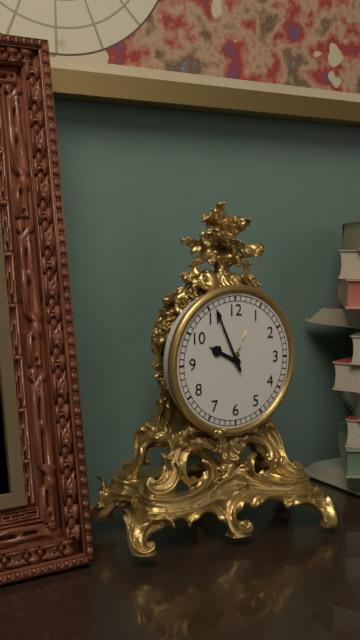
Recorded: 9:56
